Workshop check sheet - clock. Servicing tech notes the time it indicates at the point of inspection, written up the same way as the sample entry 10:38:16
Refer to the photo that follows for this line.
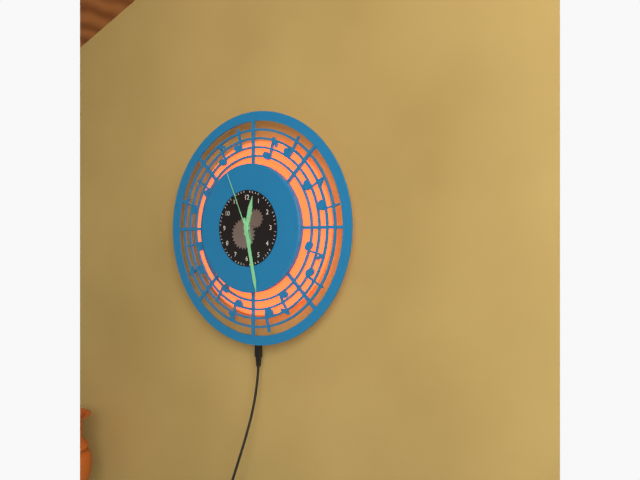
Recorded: 12:28:56
